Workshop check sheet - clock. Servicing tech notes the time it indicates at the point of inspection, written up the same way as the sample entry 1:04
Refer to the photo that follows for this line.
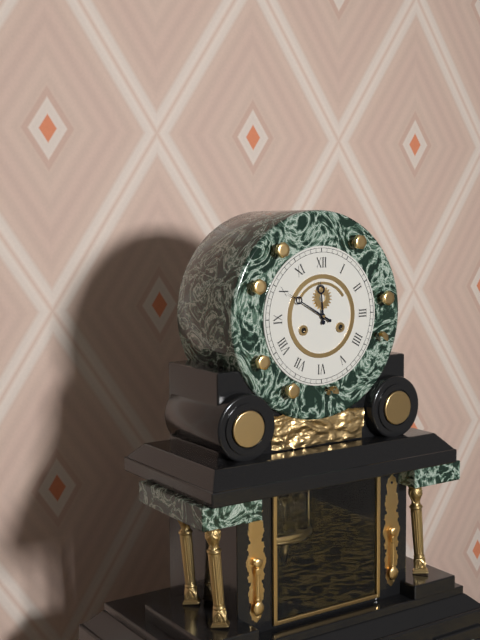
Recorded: 11:50
